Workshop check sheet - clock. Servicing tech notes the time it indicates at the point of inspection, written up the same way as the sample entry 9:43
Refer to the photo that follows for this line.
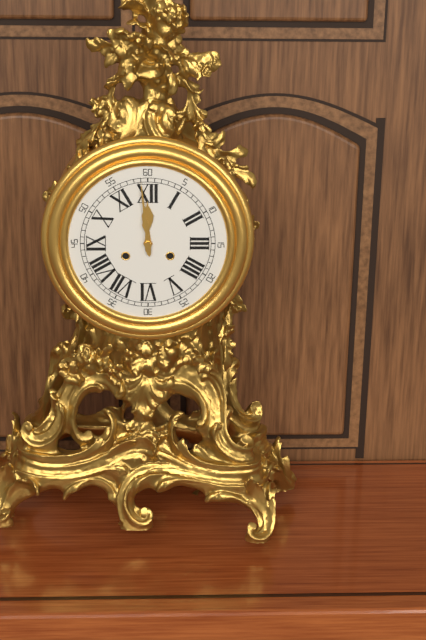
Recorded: 11:59
